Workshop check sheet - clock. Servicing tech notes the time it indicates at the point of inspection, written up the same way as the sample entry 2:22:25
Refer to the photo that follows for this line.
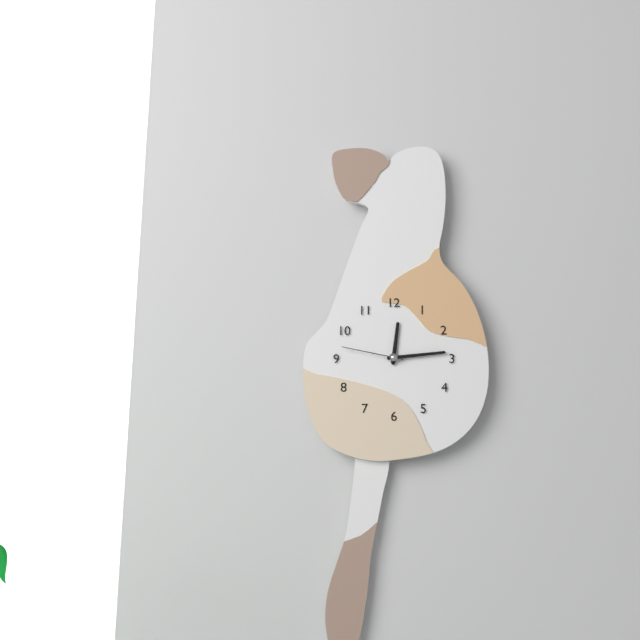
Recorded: 12:14:47
